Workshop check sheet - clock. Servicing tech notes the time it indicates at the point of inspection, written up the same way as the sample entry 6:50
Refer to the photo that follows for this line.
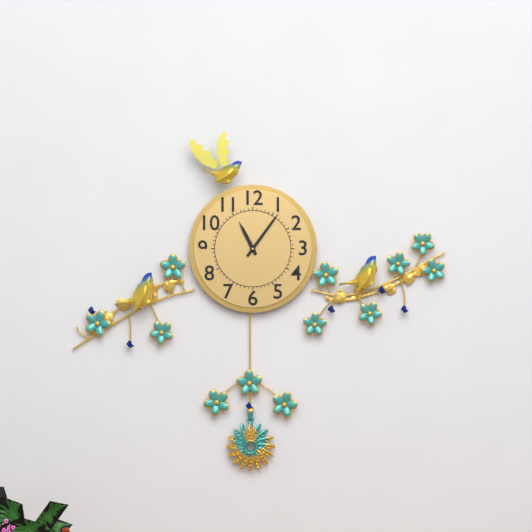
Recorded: 11:06
